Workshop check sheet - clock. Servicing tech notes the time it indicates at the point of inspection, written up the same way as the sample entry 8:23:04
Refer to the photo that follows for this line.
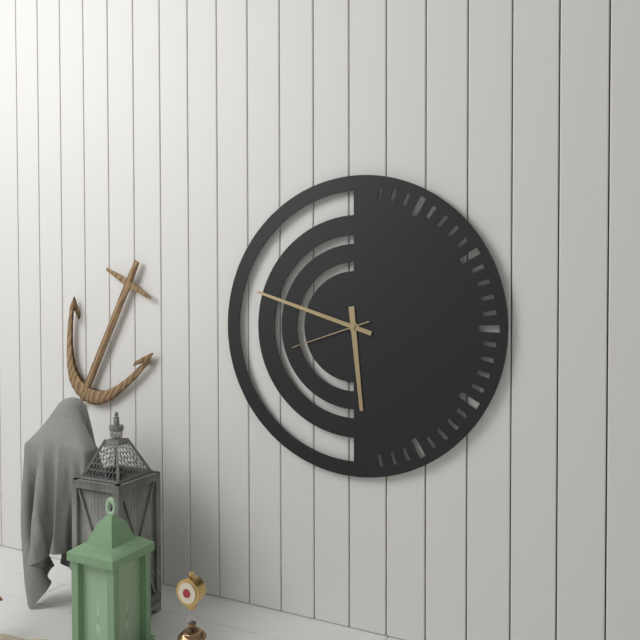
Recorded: 5:48:42
